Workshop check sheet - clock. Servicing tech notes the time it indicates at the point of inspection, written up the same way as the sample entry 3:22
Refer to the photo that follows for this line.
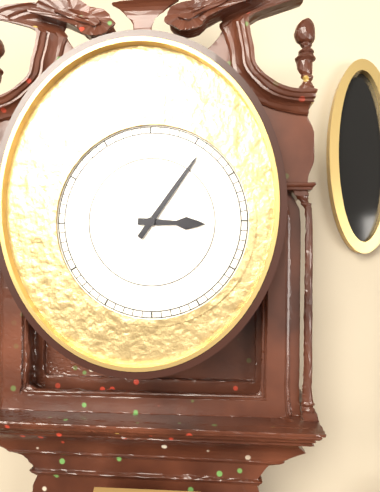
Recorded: 3:06
